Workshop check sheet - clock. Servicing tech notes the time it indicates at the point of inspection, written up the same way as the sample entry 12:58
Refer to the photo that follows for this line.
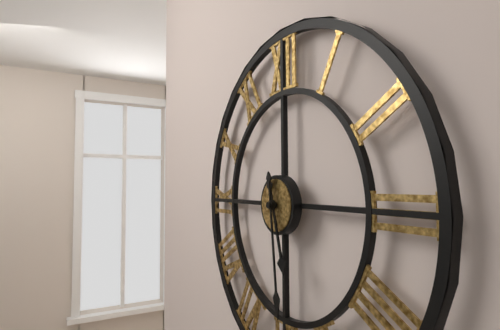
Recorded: 5:29
